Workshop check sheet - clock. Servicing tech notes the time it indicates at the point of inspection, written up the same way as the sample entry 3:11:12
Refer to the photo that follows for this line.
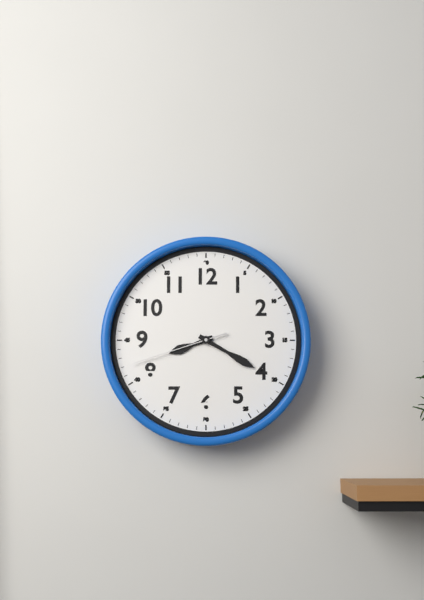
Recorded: 8:20:42
